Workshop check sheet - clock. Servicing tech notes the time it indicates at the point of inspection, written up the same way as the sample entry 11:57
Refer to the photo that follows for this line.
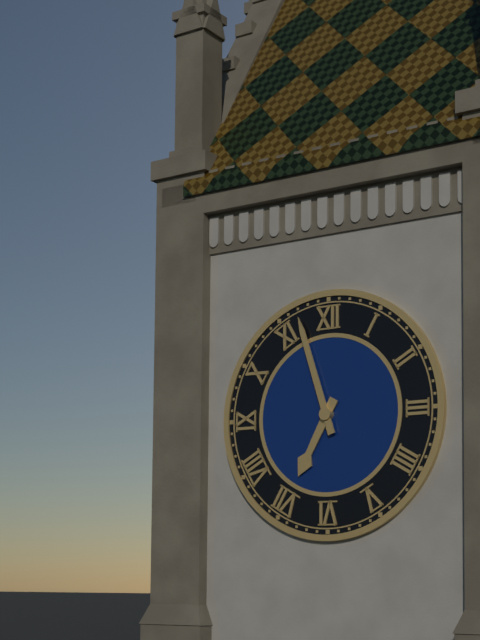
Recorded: 6:57
